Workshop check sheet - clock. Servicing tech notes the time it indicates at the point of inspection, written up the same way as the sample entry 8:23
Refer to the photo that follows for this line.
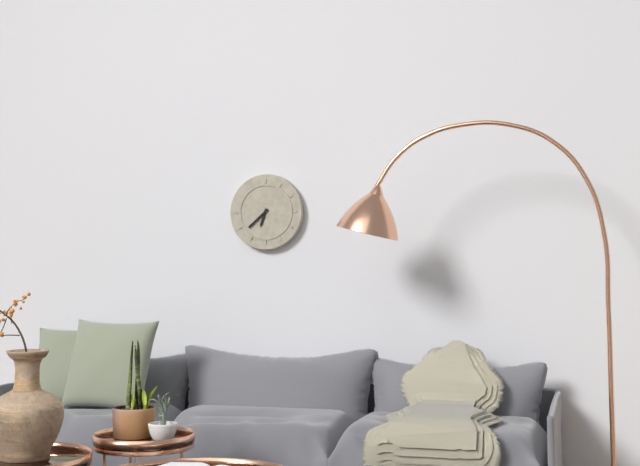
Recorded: 6:38
